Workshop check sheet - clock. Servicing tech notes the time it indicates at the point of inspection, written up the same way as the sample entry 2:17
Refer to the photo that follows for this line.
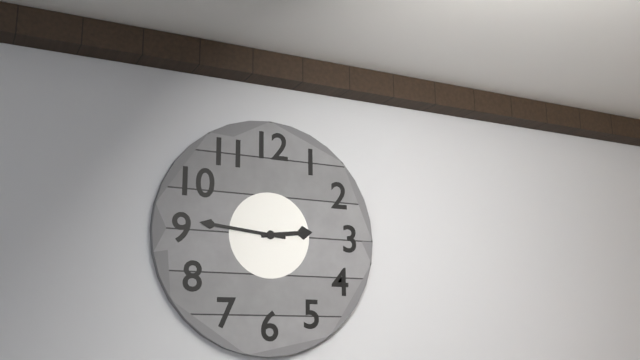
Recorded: 2:46
